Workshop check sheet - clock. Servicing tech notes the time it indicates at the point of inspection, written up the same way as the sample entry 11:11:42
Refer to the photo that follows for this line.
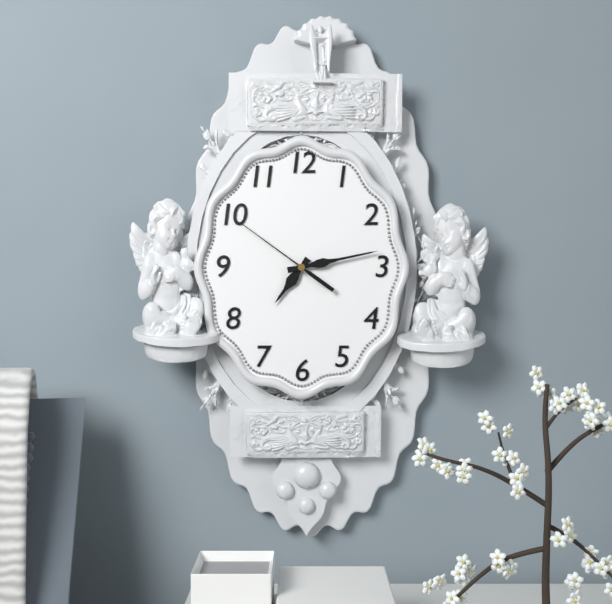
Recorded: 7:13:51
